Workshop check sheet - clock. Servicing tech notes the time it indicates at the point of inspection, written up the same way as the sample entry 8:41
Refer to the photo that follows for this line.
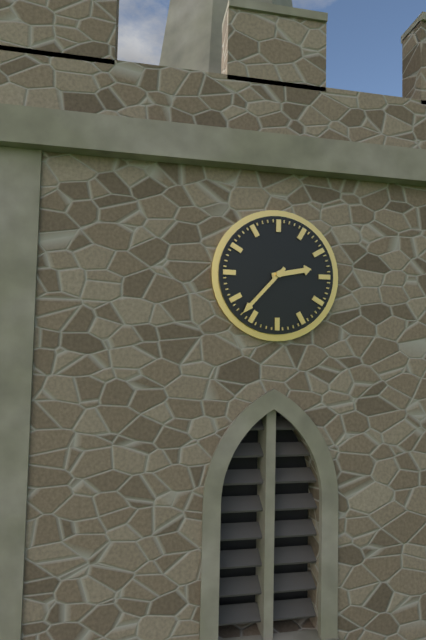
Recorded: 2:37
